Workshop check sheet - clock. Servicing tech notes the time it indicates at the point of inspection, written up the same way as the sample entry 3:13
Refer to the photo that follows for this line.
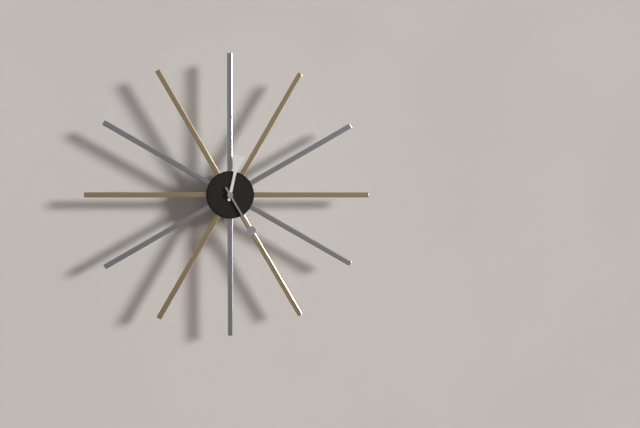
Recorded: 12:25
